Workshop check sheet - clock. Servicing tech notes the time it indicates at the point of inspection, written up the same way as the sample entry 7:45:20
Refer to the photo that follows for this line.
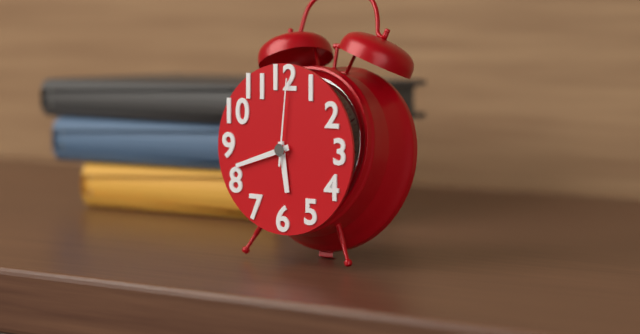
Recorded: 5:42:01
